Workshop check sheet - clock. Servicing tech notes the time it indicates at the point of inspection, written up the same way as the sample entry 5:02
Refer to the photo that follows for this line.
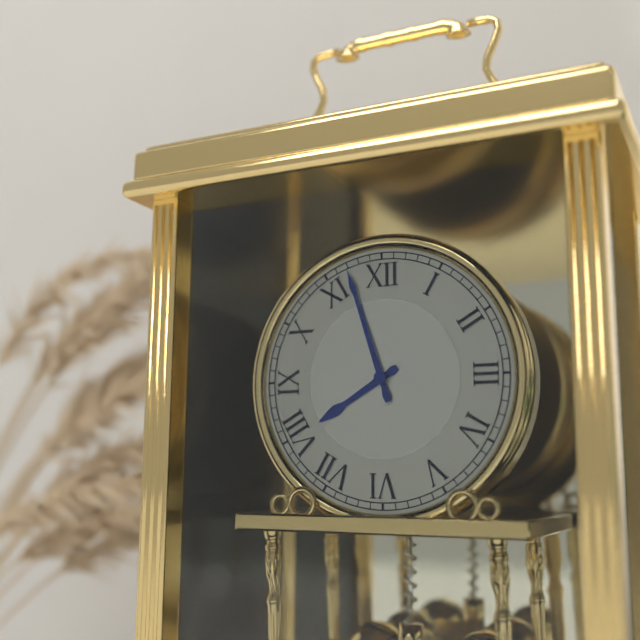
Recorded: 7:57
